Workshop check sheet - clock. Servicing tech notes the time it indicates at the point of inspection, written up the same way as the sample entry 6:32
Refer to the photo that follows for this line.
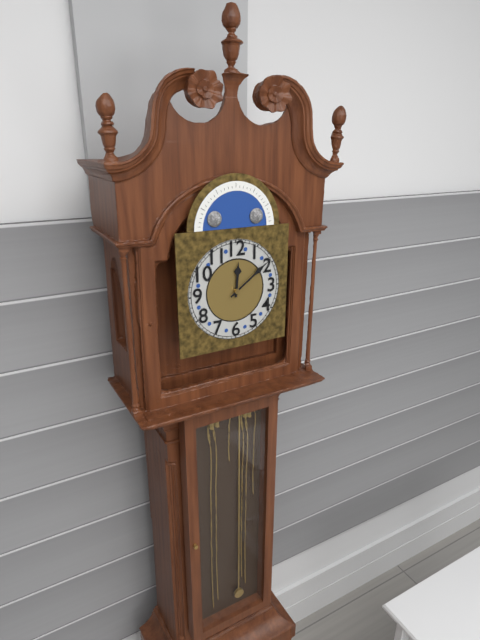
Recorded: 12:09
